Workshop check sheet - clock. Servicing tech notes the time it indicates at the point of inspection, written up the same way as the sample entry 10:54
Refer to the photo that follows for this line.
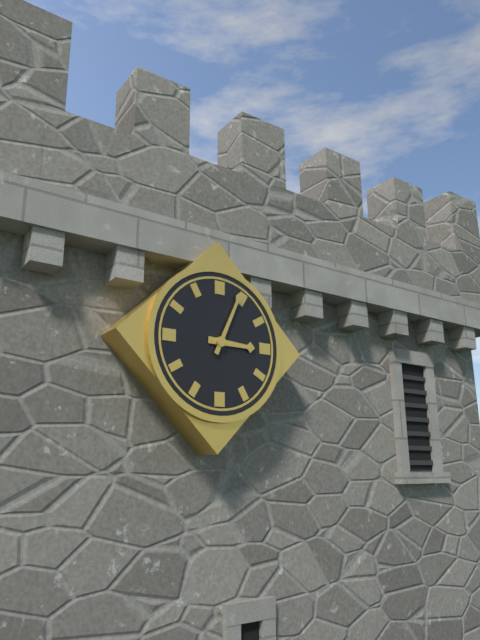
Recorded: 3:04
